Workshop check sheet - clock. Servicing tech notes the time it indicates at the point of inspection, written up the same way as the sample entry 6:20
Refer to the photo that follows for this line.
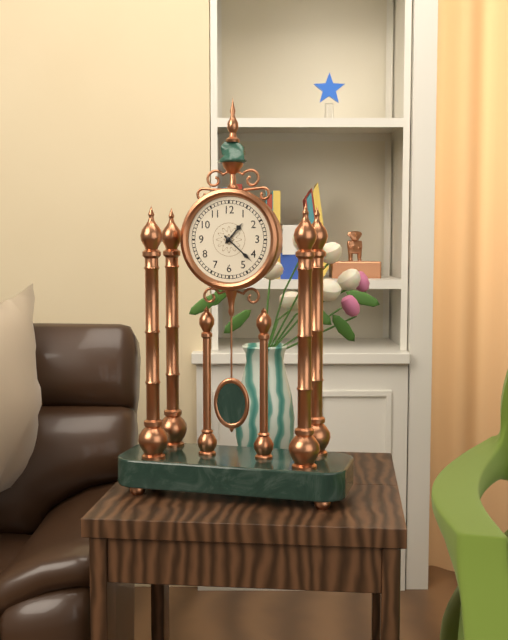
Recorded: 1:22
